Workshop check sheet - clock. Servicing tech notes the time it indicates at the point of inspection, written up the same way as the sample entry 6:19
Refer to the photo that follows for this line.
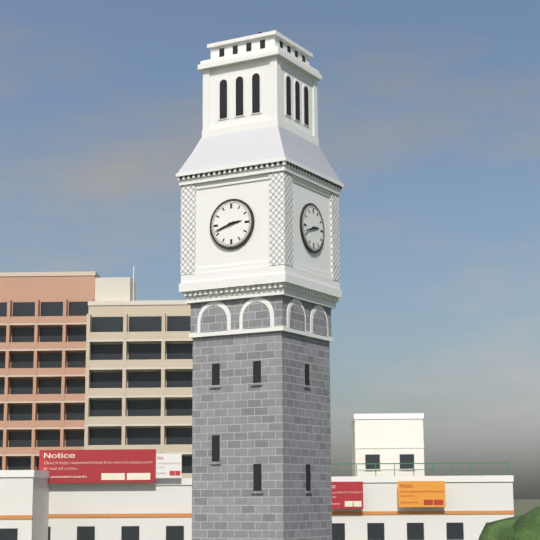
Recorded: 2:42
